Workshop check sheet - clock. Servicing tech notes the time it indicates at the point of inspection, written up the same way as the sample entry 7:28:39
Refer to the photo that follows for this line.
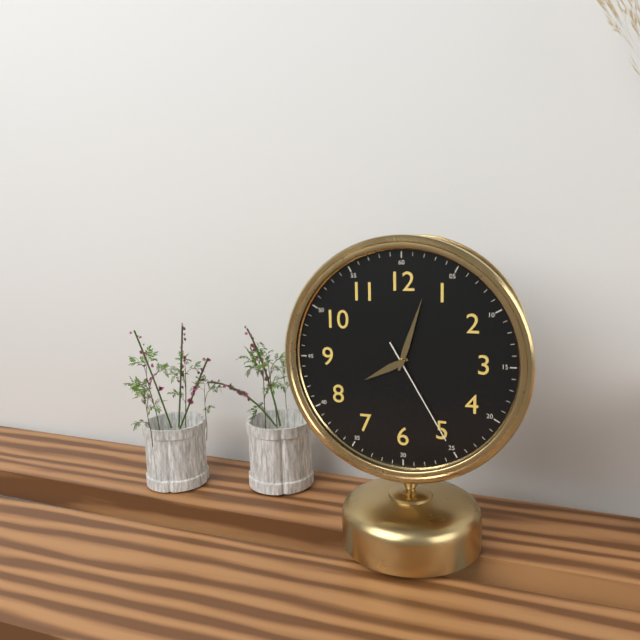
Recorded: 8:03:25
